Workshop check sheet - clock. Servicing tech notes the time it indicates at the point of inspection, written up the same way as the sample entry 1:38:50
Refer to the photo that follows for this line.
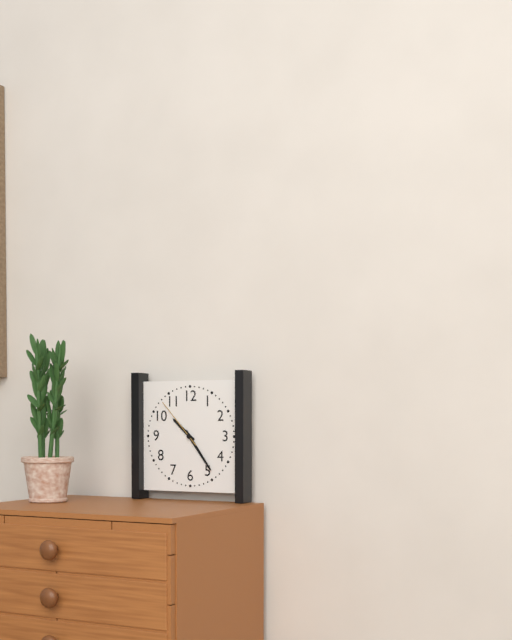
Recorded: 10:24:53
